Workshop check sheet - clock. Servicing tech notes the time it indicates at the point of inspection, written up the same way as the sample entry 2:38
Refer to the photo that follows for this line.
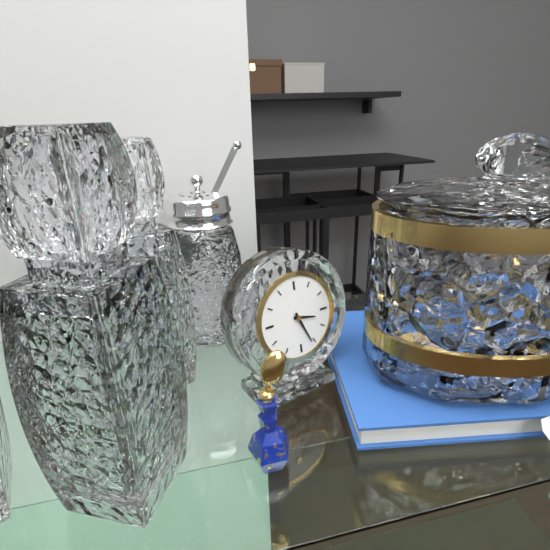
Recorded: 3:26
